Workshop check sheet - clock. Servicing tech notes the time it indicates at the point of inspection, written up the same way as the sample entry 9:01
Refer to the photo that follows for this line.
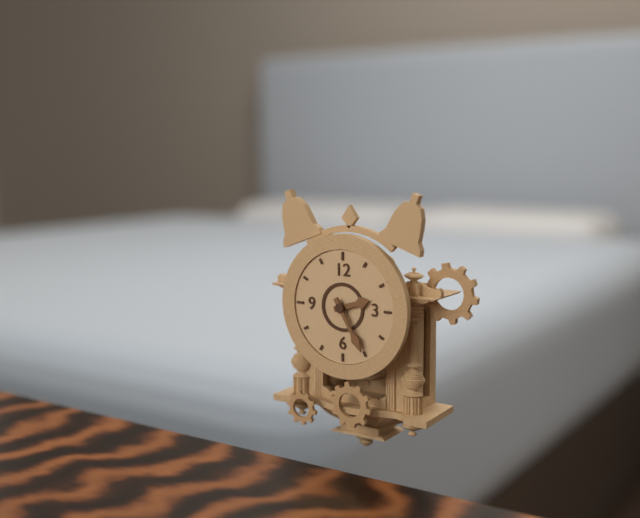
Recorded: 2:25
